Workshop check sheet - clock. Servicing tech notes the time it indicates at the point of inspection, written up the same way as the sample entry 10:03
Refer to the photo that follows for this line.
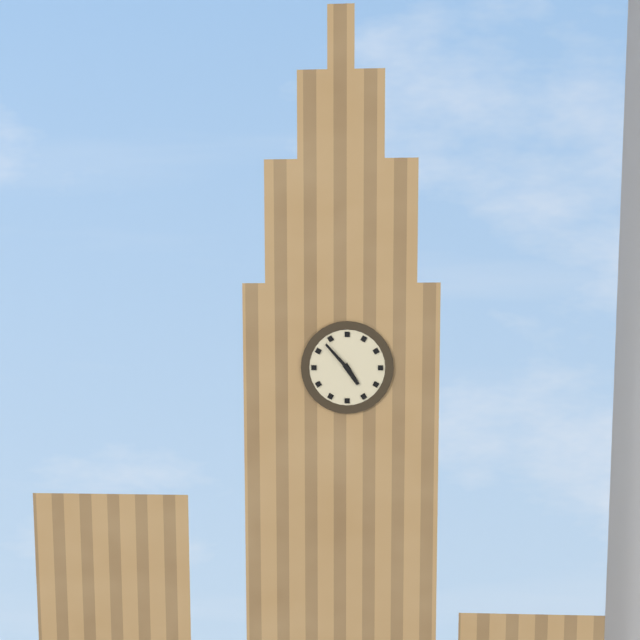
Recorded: 4:53
